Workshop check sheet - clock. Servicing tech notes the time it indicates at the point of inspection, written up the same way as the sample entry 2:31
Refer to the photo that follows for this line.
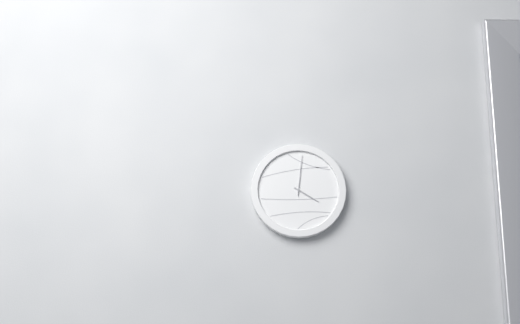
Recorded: 4:01
